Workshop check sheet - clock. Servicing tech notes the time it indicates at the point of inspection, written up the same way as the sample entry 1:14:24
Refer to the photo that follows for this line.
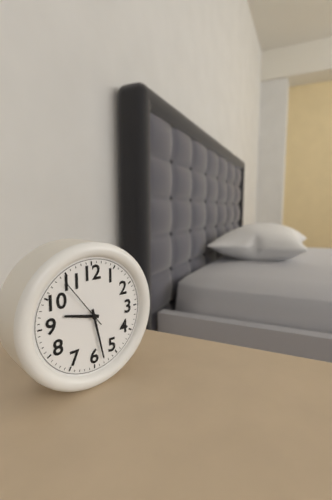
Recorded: 9:28:54
